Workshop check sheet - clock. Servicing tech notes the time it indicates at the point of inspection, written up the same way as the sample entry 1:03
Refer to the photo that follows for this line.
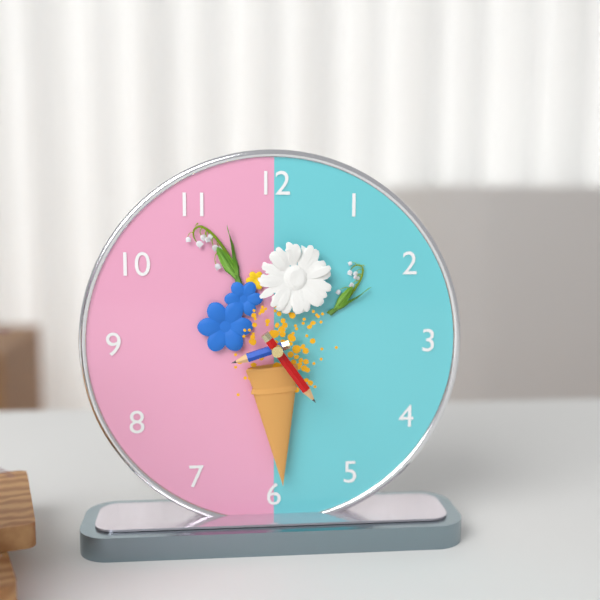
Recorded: 8:24
